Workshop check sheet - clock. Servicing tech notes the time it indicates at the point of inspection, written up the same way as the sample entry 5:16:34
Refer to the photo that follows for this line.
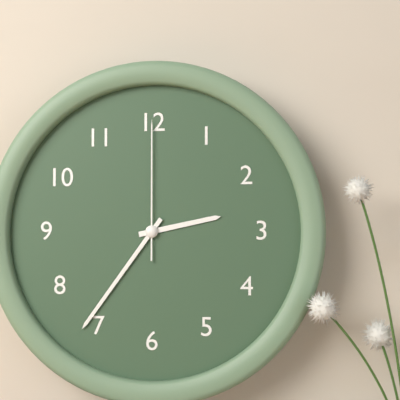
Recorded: 2:36:00
